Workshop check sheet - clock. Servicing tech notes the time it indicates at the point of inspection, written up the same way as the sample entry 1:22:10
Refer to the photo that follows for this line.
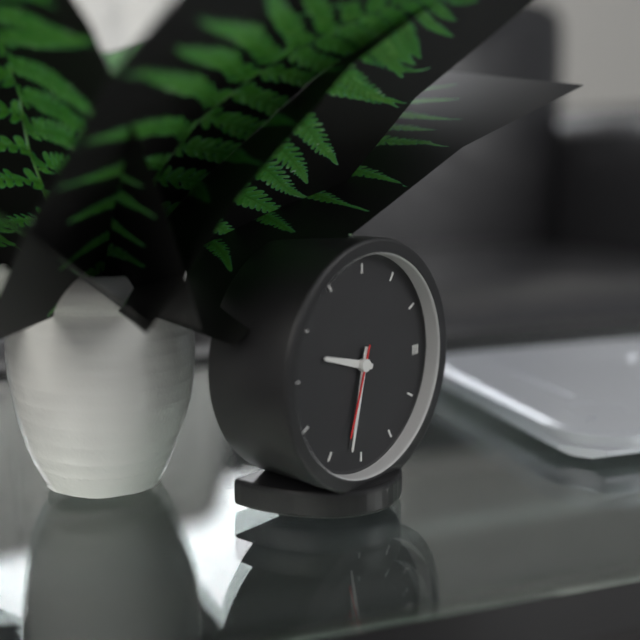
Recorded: 9:32:33
